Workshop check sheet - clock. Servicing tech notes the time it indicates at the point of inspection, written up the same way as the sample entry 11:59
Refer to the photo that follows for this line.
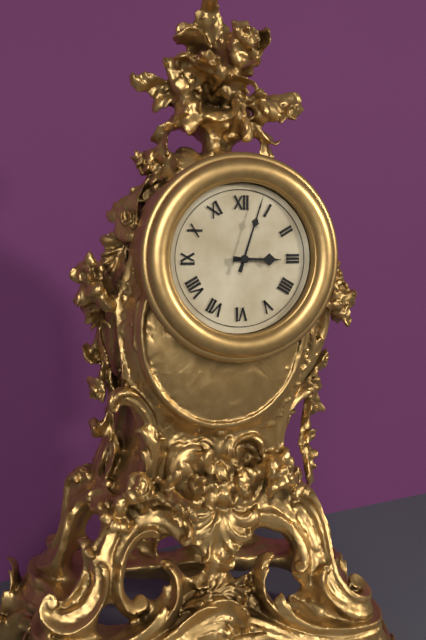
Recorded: 3:03
